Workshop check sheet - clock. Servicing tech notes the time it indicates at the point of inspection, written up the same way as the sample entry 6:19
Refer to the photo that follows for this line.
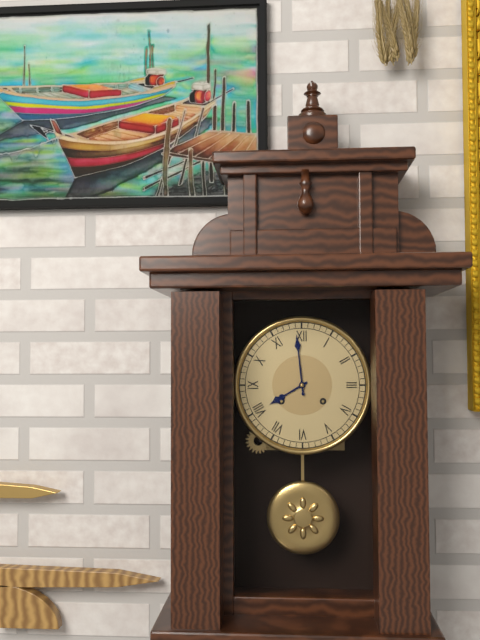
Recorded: 7:59
